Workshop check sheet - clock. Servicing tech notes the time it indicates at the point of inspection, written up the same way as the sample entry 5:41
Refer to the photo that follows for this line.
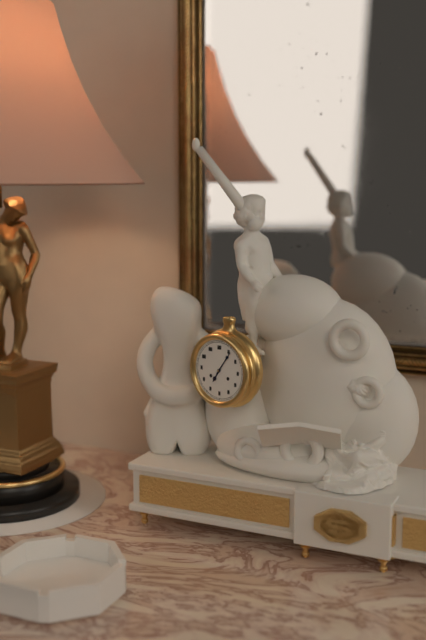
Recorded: 7:06
